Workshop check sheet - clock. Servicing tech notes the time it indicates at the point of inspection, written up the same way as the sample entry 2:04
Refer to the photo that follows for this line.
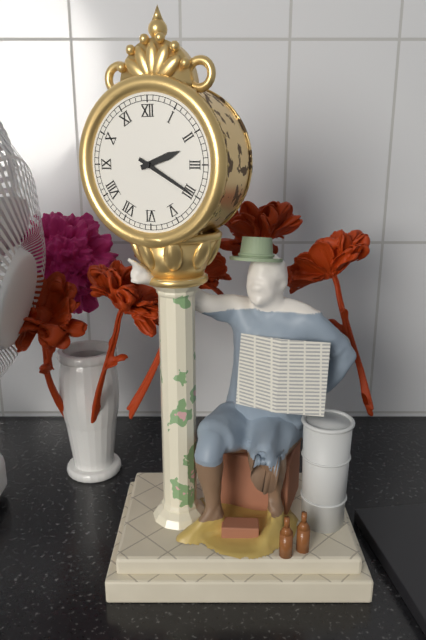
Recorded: 2:20
